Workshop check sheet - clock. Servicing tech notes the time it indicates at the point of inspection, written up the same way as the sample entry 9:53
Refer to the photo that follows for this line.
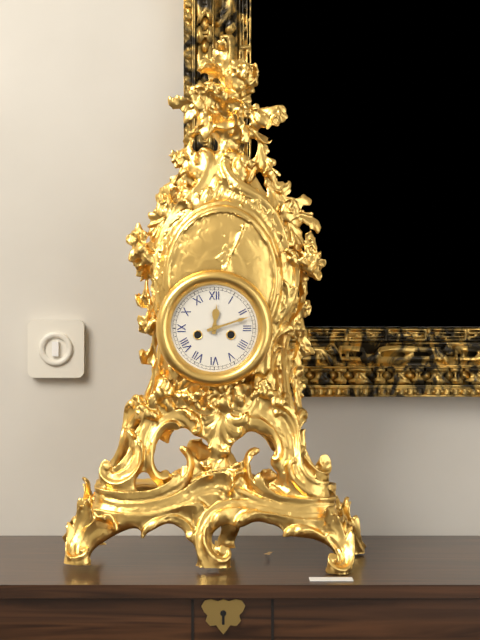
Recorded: 12:12
